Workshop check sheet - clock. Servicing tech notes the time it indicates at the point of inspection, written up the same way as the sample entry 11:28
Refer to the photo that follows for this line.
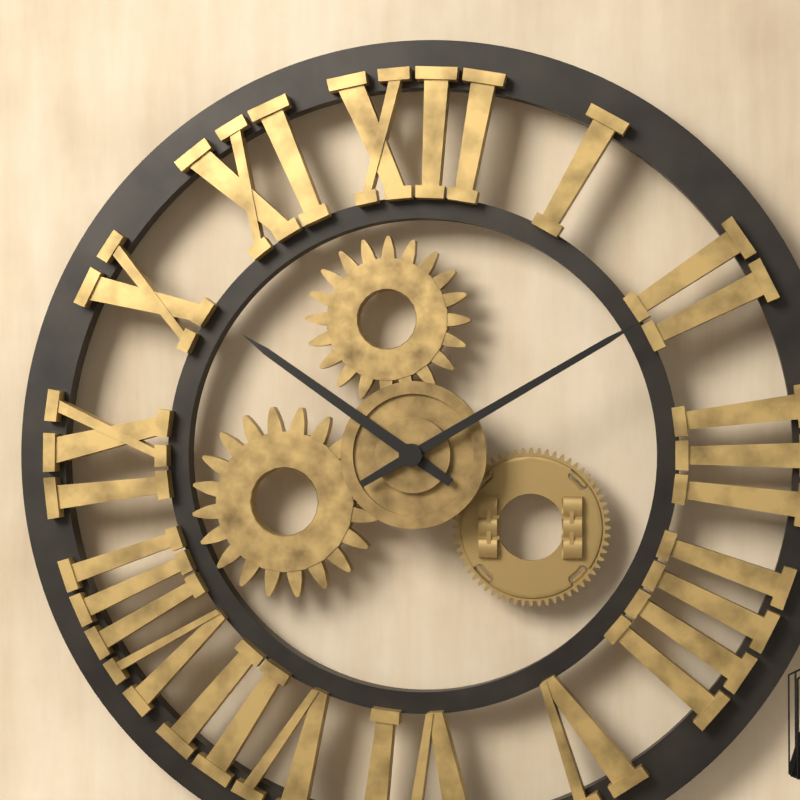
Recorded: 10:10
